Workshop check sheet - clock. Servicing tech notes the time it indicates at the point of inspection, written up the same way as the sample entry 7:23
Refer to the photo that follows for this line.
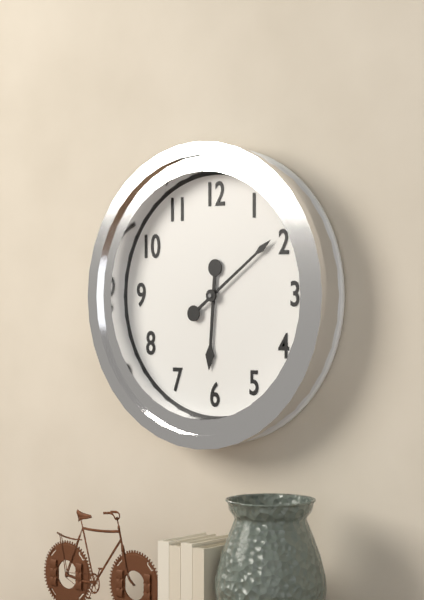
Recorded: 6:09
